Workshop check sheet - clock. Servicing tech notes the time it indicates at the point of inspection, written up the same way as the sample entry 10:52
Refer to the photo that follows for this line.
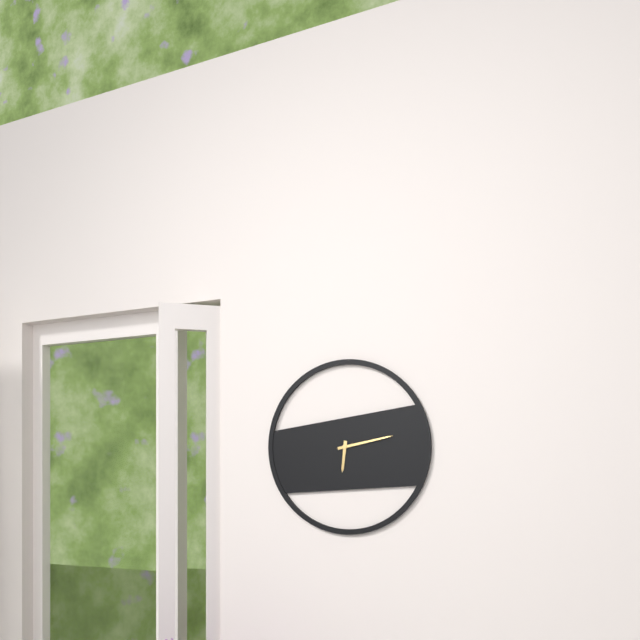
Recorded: 6:13
